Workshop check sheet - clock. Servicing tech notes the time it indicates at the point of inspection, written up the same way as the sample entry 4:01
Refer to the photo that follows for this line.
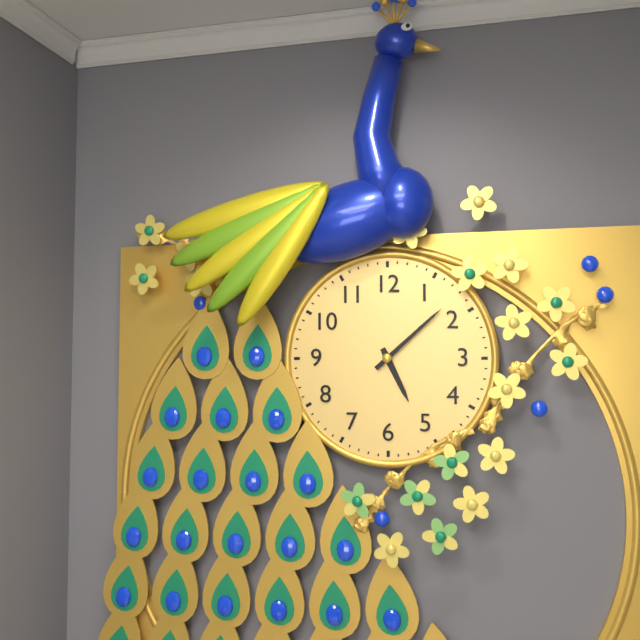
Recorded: 5:08
